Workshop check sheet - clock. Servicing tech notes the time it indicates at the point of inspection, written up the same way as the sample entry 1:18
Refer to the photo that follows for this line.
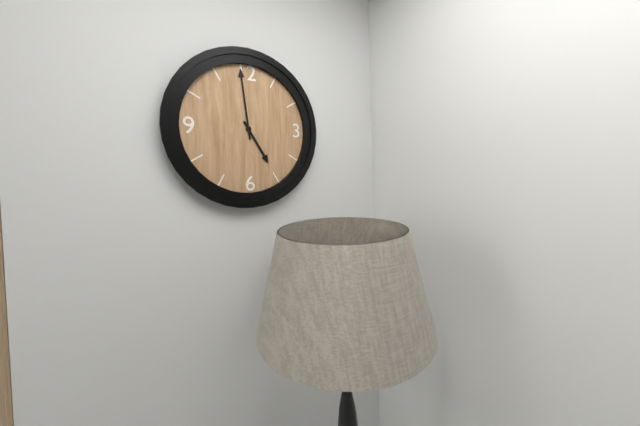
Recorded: 4:59
